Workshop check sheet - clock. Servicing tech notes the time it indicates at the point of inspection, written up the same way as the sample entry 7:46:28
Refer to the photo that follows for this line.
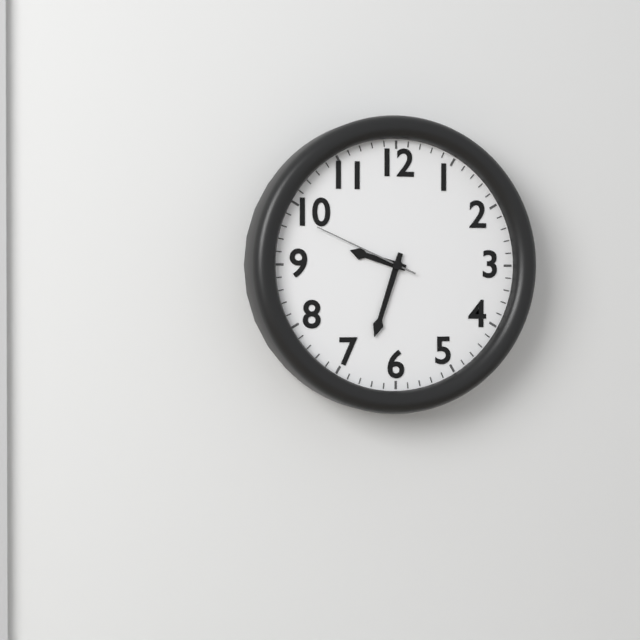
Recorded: 9:33:49
